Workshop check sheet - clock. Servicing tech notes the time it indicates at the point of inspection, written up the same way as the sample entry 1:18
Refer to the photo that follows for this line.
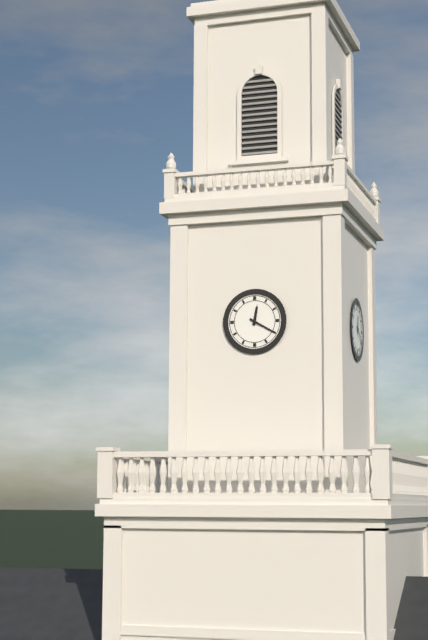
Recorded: 12:20
